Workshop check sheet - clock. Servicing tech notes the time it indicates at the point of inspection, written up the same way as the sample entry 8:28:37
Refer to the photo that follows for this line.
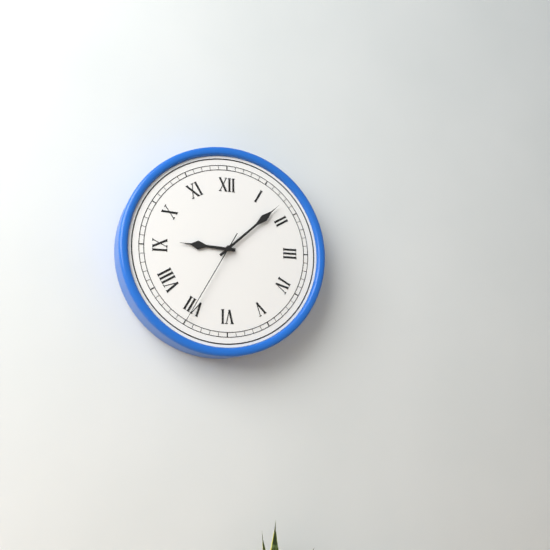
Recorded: 9:08:35
